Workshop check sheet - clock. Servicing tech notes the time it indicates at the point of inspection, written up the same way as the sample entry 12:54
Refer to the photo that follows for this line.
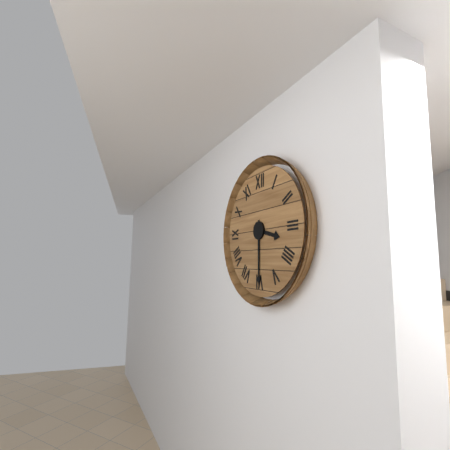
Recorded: 3:30
